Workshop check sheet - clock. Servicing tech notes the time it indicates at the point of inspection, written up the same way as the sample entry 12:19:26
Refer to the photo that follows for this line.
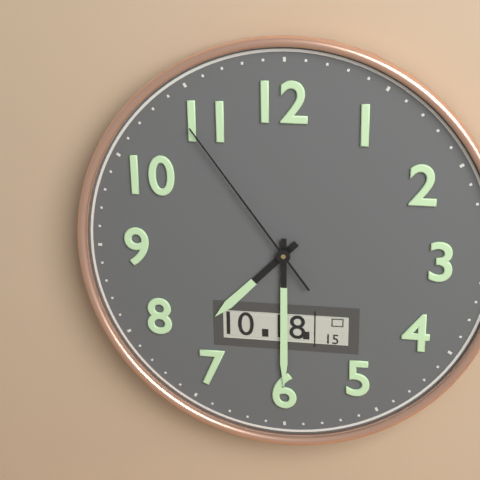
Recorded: 7:30:54
